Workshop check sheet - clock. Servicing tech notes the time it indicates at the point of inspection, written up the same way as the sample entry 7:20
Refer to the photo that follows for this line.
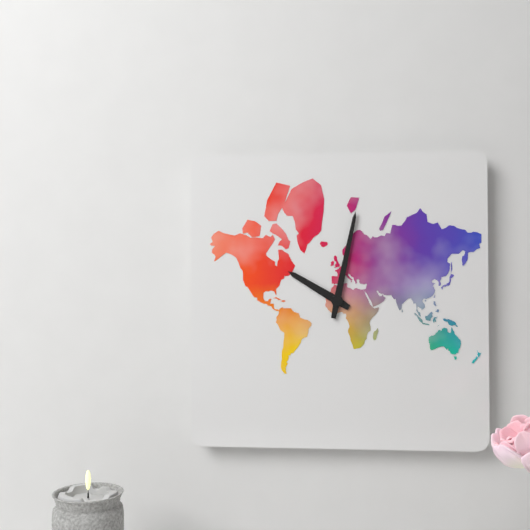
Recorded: 10:02
